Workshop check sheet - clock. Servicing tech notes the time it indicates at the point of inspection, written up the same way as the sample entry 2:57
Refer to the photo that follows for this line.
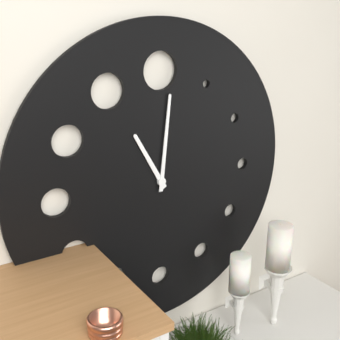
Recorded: 11:01
